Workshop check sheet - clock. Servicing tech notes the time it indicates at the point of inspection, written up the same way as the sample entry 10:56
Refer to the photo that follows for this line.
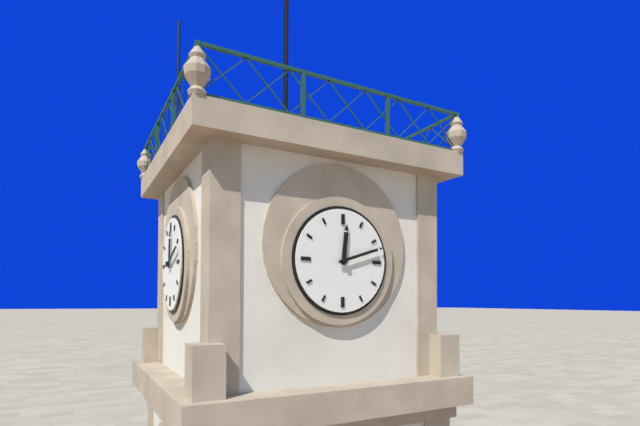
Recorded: 12:12
